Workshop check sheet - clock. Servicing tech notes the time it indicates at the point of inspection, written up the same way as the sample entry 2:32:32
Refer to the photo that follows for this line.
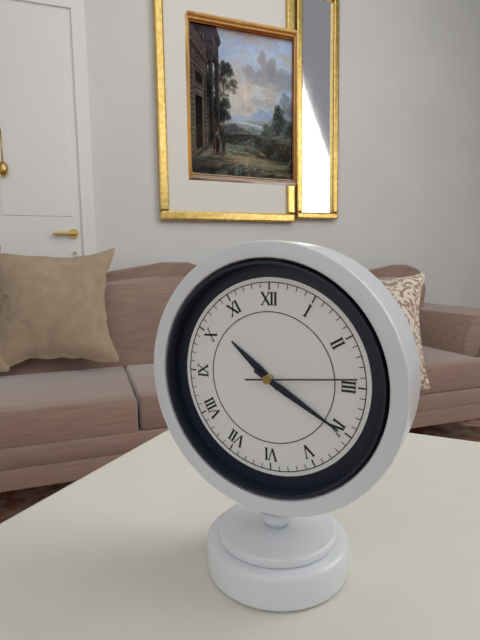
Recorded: 10:20:14
